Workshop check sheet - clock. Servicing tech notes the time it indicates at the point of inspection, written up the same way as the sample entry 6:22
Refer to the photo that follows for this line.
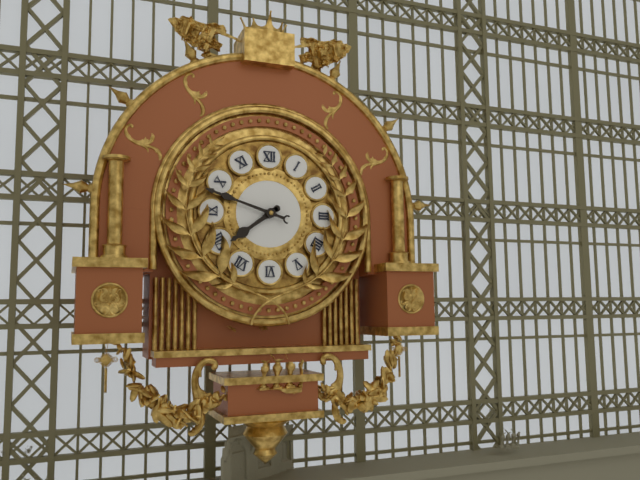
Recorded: 7:48
